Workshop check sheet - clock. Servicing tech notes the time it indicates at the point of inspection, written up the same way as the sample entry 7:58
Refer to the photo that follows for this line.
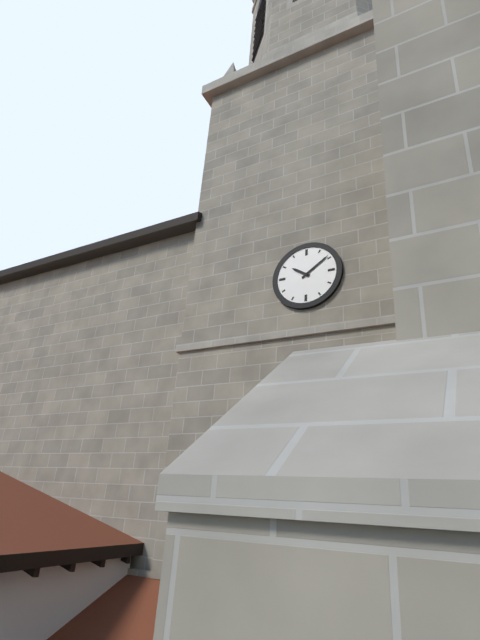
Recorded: 10:09
